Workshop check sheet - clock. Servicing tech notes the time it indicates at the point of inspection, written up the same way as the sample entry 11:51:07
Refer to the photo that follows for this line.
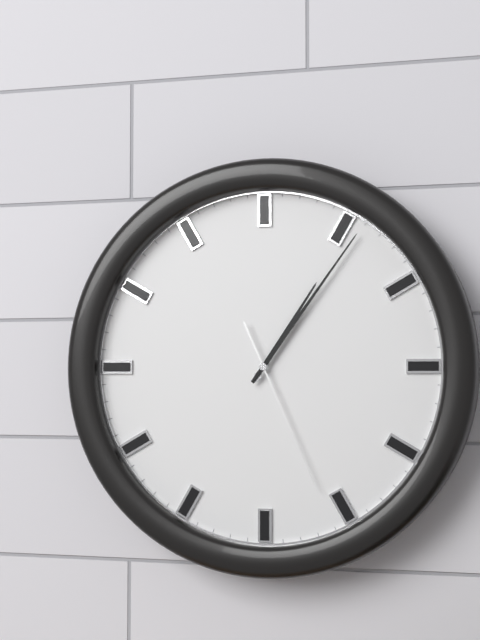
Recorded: 1:06:26
